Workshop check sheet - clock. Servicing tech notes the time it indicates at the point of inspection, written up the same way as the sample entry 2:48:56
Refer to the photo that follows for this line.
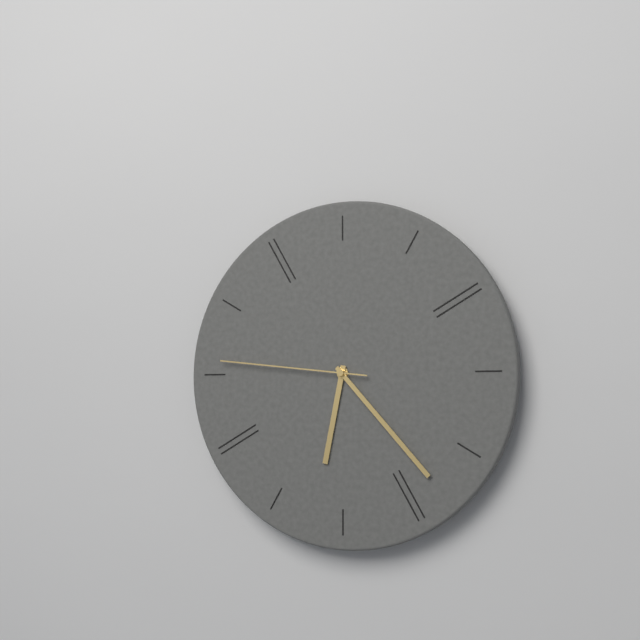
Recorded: 6:23:46
